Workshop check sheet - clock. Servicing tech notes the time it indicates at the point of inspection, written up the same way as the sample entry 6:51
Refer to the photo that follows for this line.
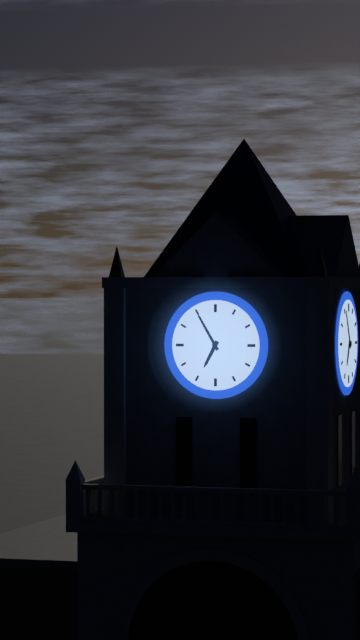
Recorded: 6:55
